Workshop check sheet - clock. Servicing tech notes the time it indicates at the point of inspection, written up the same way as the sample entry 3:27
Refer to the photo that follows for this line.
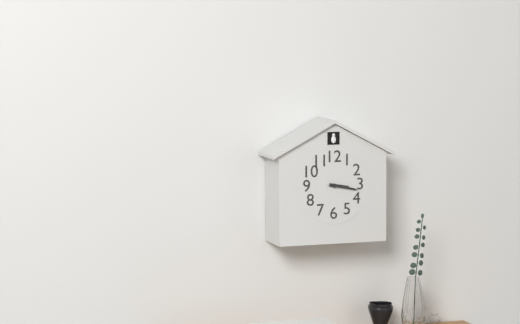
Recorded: 3:17
